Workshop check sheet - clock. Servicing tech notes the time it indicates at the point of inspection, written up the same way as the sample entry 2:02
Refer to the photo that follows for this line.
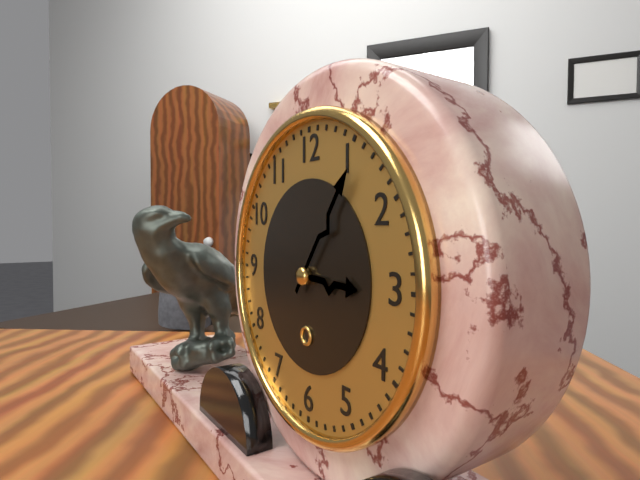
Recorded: 3:06
